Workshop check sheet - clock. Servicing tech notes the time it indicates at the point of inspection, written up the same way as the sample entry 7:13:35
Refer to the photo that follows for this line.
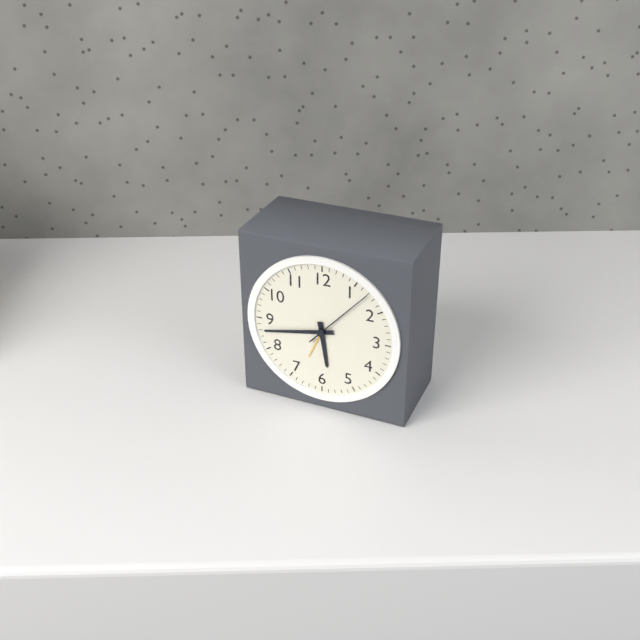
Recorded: 5:43:07
